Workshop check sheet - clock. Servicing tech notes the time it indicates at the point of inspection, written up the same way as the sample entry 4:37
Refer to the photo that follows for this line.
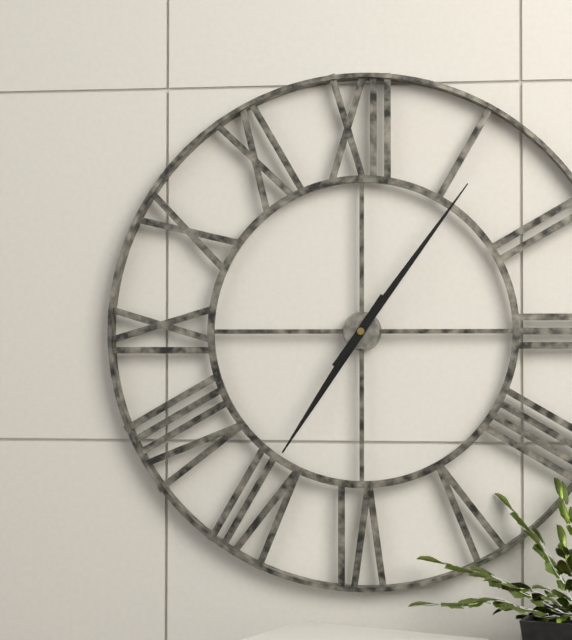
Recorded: 7:06
